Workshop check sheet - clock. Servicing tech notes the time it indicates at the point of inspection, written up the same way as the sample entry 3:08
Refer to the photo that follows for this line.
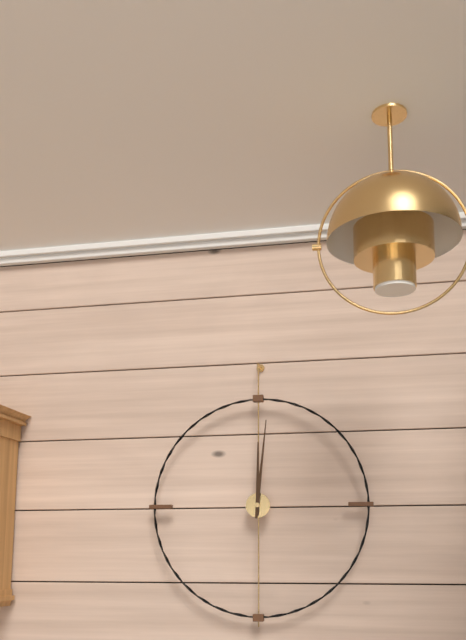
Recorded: 12:01
